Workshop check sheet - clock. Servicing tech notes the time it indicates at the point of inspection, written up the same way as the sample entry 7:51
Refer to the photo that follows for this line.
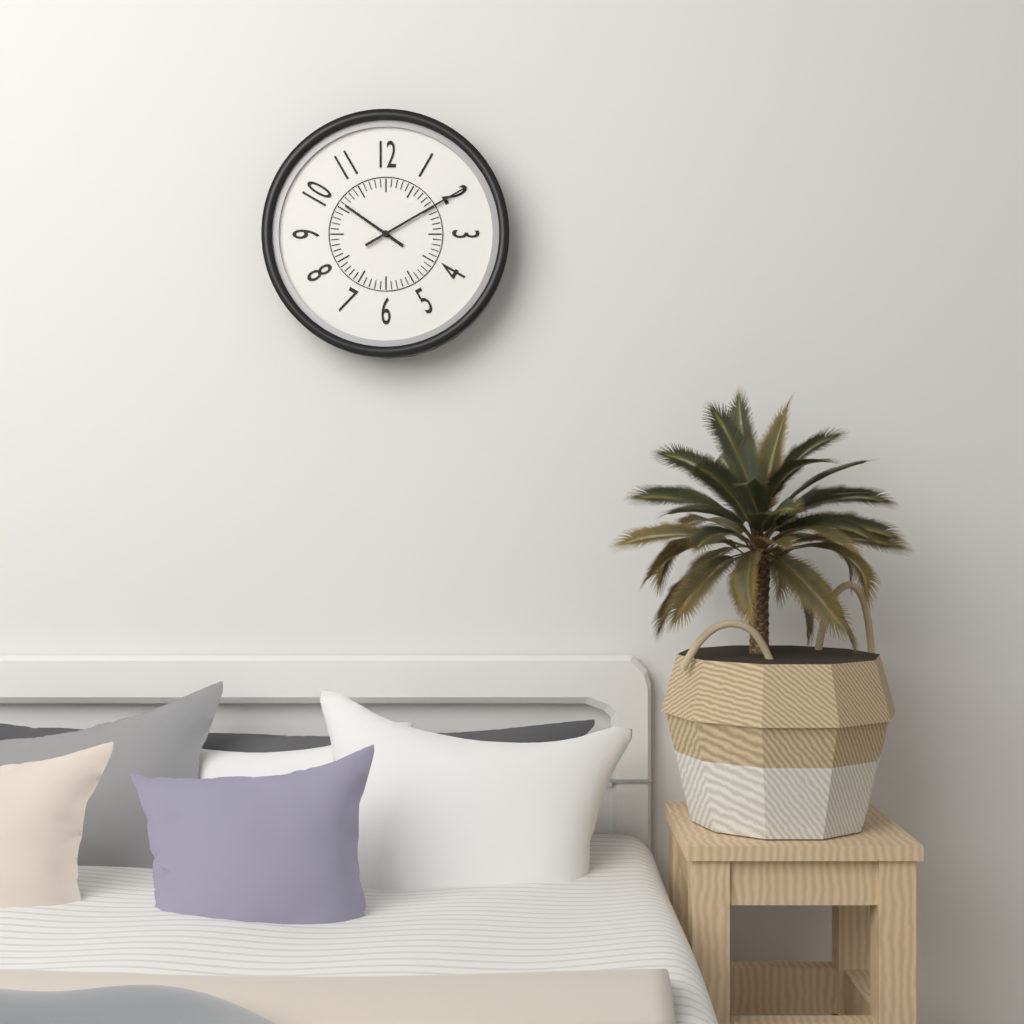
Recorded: 10:10
